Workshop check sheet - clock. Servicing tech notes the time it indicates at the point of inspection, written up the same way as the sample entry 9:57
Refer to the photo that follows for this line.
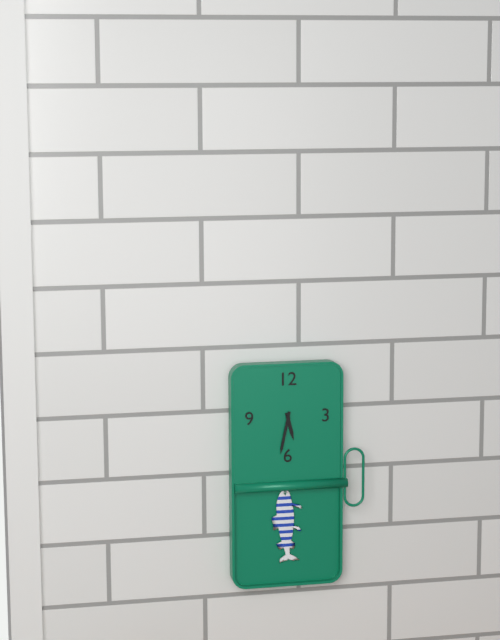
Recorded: 5:32
